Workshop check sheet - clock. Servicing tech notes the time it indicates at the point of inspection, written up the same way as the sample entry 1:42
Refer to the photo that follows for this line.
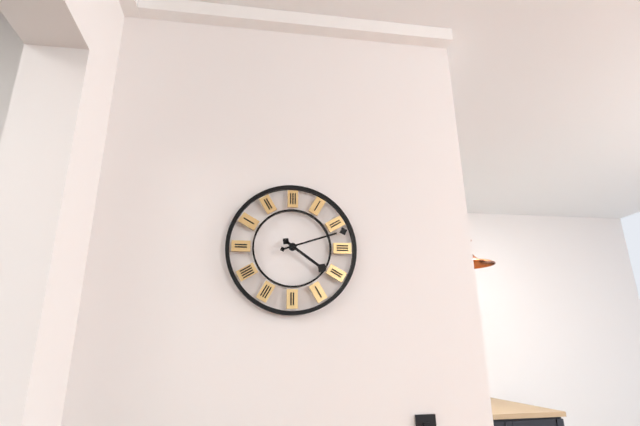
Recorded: 4:12
